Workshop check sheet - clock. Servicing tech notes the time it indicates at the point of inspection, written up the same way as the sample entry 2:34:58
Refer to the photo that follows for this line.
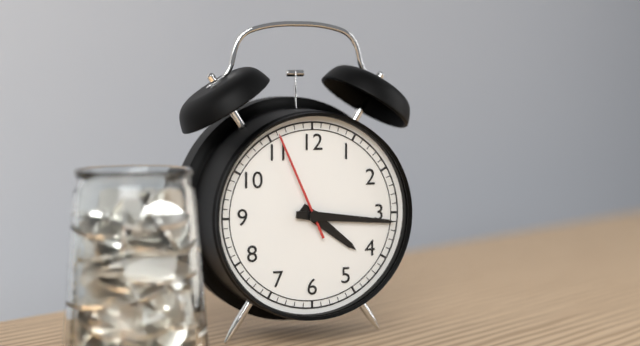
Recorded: 4:16:56
